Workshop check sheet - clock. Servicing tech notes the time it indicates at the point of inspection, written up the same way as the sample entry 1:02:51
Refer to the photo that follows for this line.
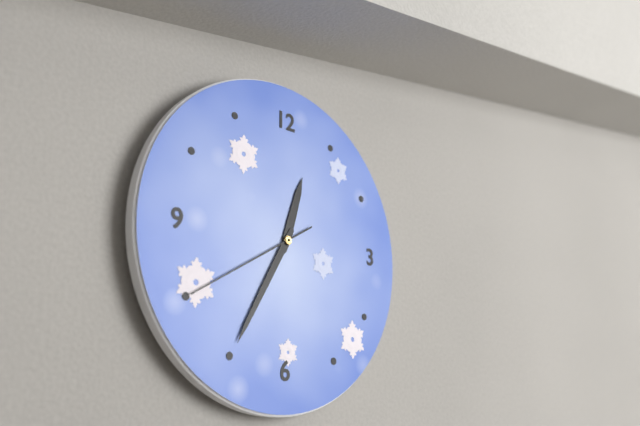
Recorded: 12:35:40
